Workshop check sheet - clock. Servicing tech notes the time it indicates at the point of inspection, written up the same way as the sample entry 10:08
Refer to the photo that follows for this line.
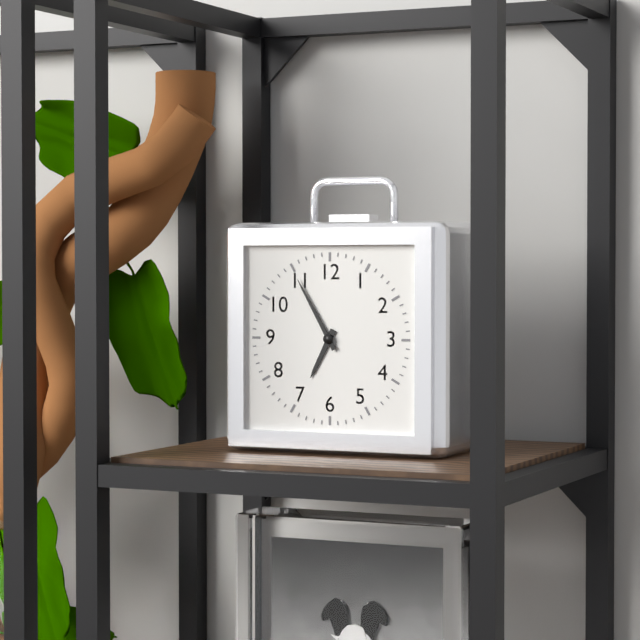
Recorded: 6:55
